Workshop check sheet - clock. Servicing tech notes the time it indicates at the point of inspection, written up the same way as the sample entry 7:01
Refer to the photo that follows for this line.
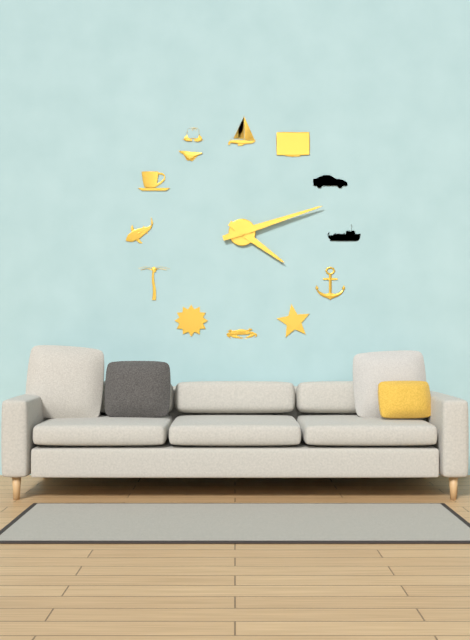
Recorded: 4:12
